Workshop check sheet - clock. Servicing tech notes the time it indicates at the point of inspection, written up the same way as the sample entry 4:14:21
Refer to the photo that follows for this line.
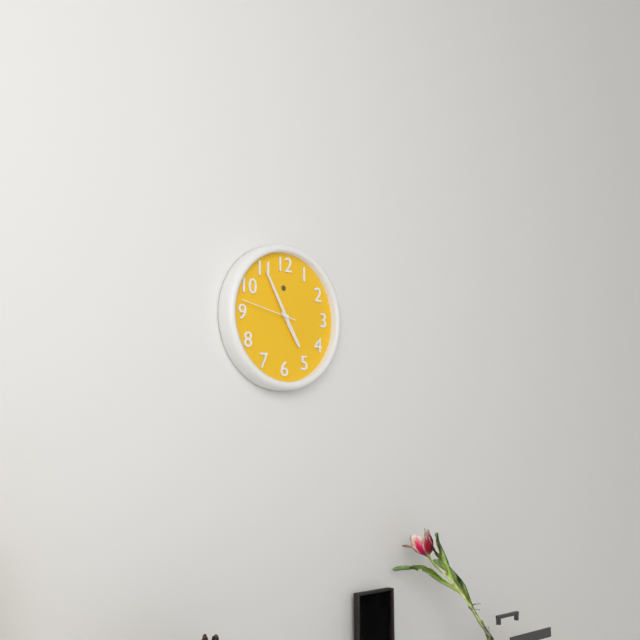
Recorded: 4:55:47
